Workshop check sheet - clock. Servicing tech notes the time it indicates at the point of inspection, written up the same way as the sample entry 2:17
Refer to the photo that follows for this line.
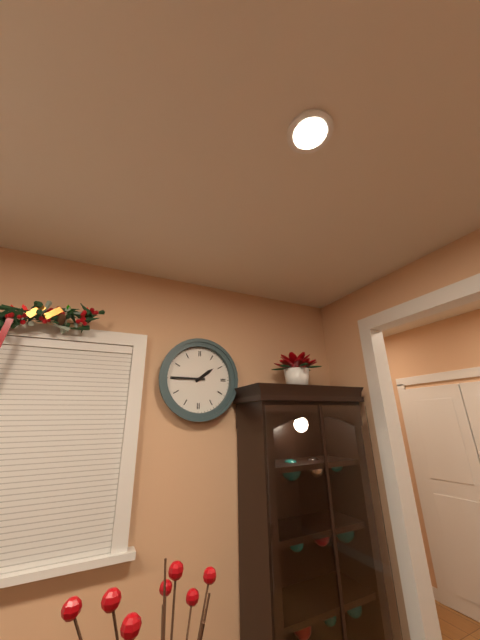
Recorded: 1:45
